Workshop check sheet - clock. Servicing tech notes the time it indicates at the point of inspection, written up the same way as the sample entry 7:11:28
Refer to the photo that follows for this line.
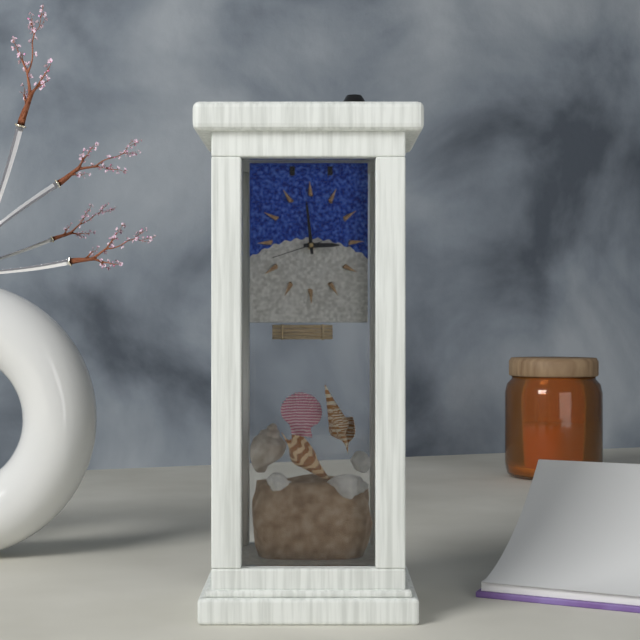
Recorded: 2:59:42
